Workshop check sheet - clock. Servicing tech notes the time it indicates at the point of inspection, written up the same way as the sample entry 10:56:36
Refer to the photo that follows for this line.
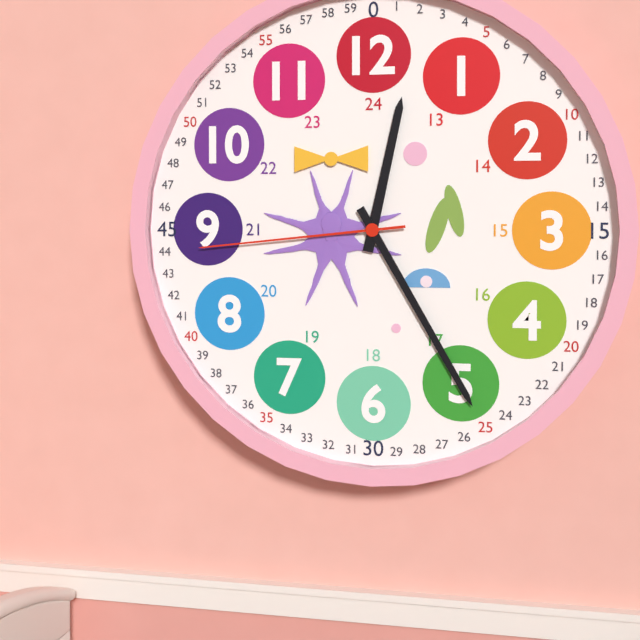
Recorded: 12:25:44
